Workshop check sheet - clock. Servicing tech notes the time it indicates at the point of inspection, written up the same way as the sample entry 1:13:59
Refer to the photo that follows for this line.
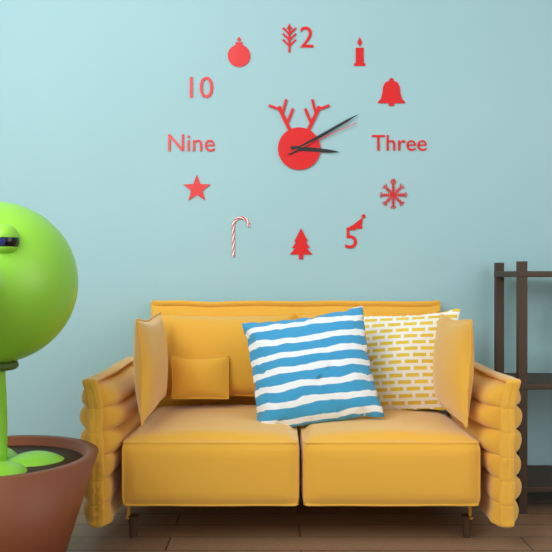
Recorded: 3:10:11
